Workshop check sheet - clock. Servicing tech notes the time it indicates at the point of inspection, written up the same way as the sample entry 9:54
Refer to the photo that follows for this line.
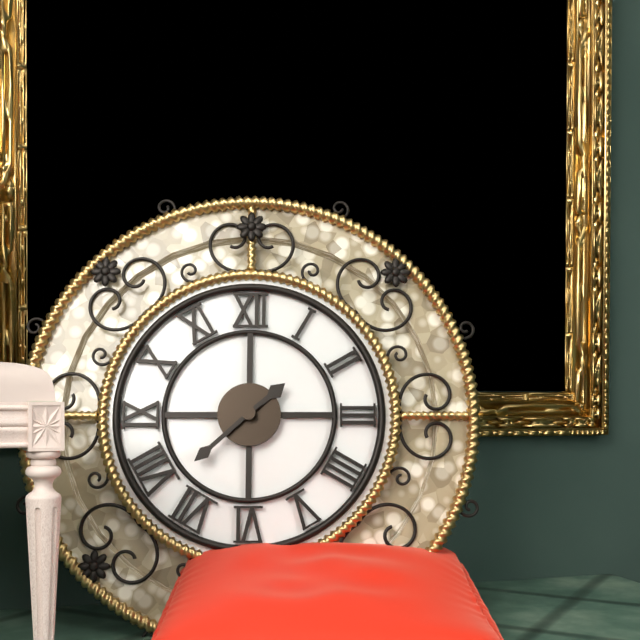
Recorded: 1:38
